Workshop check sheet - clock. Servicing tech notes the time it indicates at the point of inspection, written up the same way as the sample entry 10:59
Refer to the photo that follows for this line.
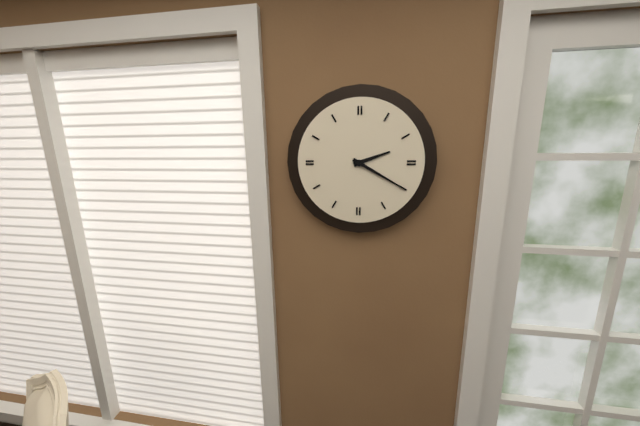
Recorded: 2:20
